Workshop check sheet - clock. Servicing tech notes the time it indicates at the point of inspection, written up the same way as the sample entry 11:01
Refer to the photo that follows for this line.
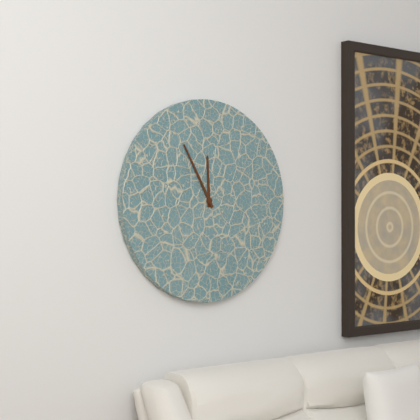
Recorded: 11:55
